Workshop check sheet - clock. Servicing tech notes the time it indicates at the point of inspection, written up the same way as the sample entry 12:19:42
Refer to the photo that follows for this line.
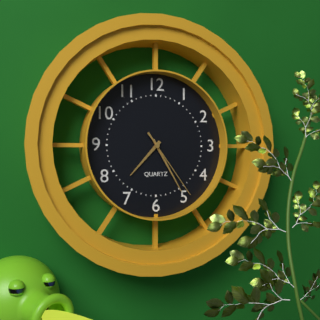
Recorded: 7:25:24
